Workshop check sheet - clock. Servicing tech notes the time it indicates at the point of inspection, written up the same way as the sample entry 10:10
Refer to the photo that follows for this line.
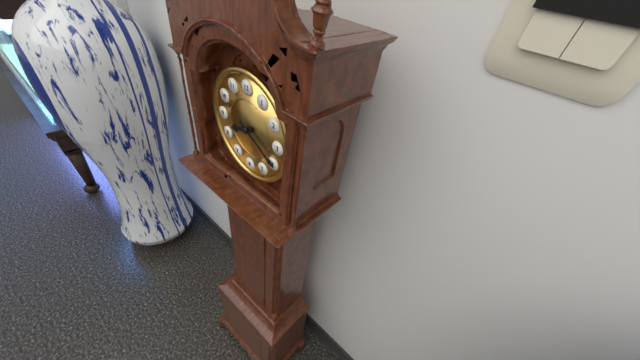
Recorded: 8:20
